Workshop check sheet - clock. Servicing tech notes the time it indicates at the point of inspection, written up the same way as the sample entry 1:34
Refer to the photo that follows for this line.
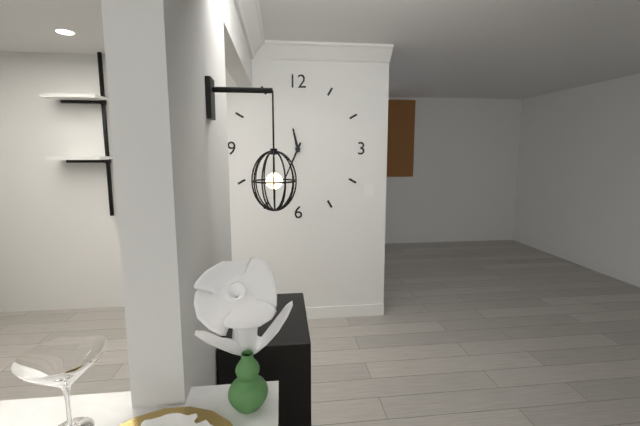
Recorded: 11:34
